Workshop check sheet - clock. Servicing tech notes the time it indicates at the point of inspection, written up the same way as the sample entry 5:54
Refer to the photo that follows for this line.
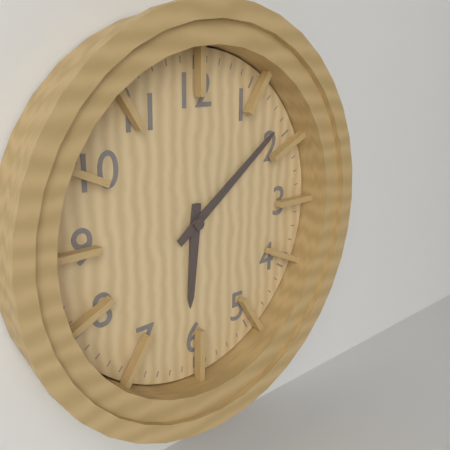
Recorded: 6:09
